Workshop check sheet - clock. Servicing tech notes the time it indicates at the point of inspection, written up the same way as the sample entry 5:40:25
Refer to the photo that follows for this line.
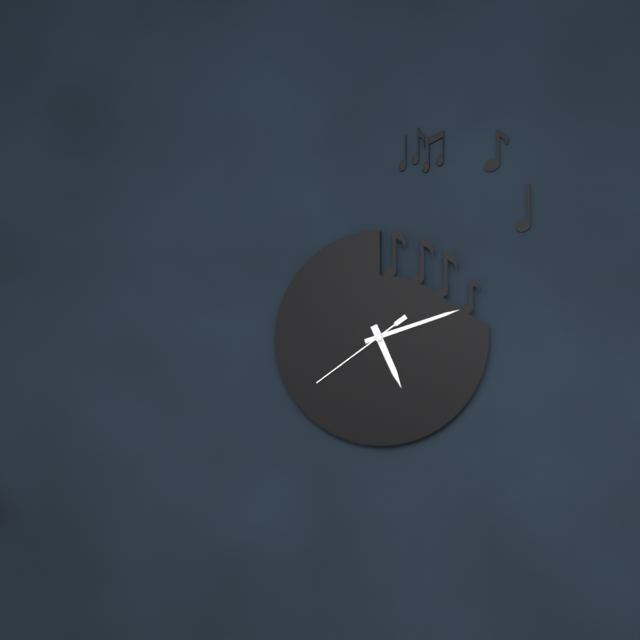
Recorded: 5:12:39
